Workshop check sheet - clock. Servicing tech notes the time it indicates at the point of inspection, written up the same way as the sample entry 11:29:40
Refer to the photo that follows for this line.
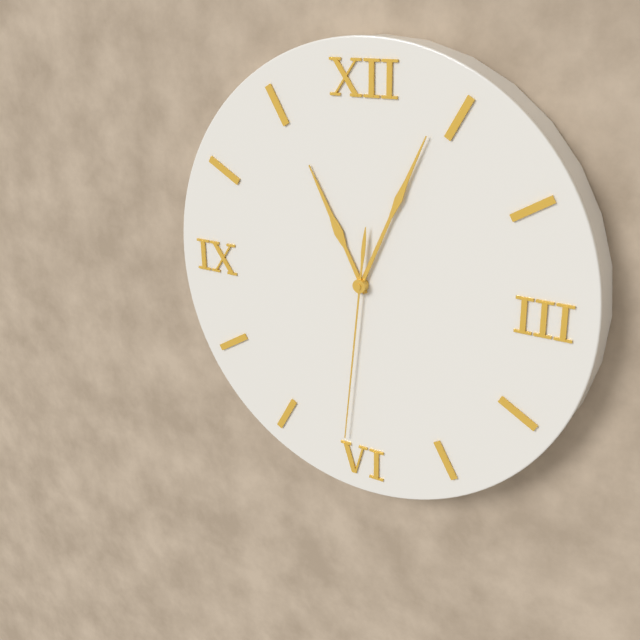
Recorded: 11:04:31
